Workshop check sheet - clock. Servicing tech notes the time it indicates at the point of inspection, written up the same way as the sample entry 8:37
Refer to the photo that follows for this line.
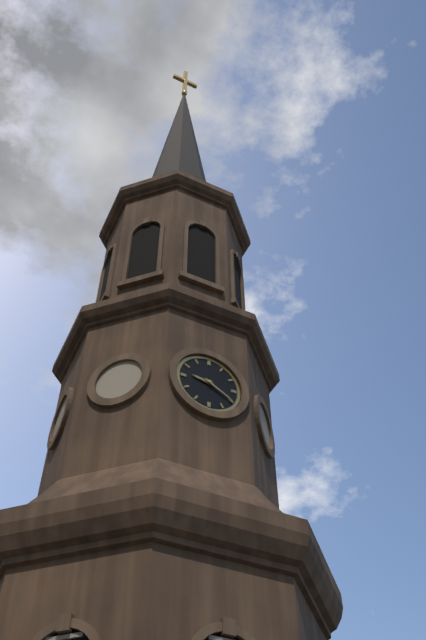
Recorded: 9:20
